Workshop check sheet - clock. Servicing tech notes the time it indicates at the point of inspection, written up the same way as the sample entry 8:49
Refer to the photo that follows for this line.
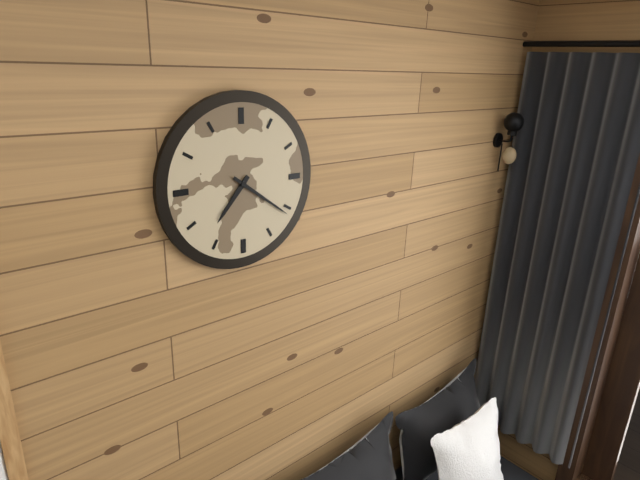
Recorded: 7:21
